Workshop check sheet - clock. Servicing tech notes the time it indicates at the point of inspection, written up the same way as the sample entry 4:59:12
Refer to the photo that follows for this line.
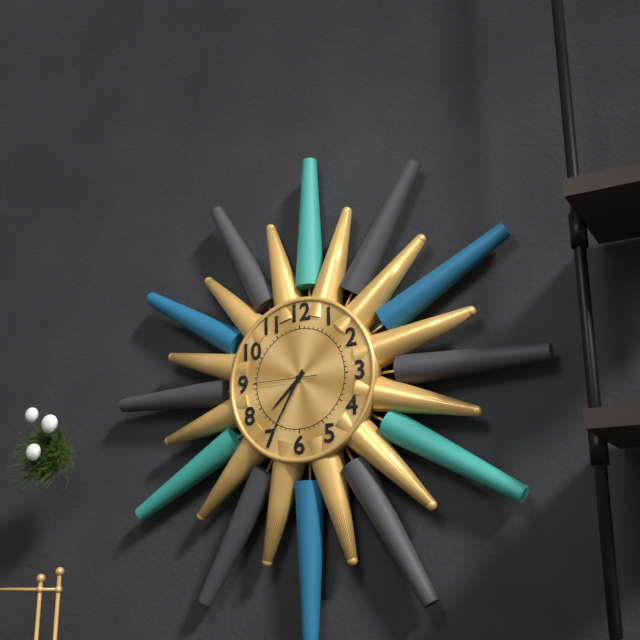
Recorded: 7:35:45
